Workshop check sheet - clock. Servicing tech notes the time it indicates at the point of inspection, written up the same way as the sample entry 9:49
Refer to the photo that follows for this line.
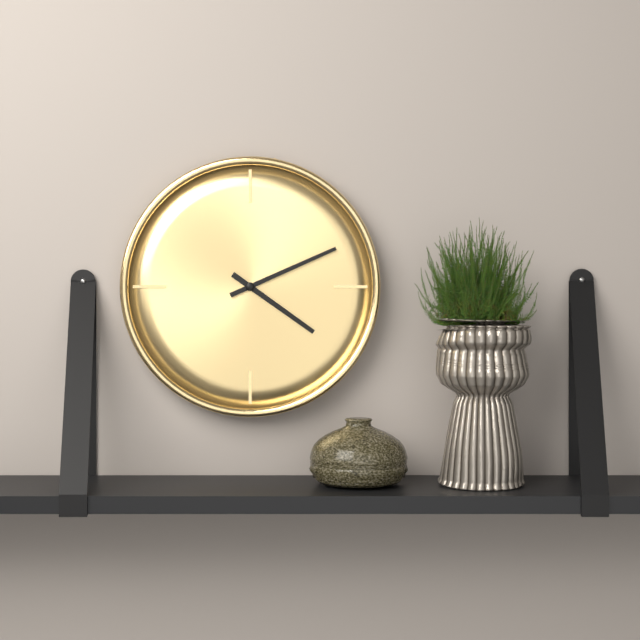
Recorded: 4:11
